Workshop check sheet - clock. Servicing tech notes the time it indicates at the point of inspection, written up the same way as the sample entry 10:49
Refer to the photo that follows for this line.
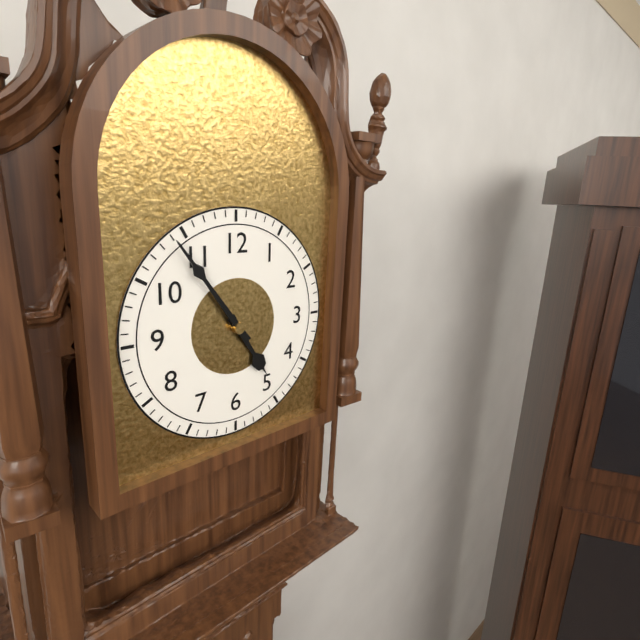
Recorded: 4:54
